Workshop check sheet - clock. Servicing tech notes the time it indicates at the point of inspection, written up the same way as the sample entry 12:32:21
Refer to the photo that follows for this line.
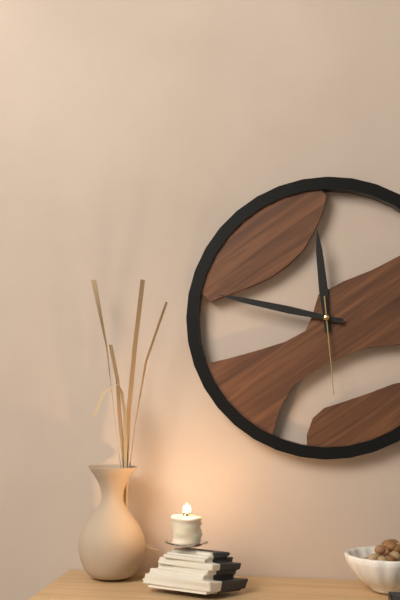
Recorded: 11:47:29
